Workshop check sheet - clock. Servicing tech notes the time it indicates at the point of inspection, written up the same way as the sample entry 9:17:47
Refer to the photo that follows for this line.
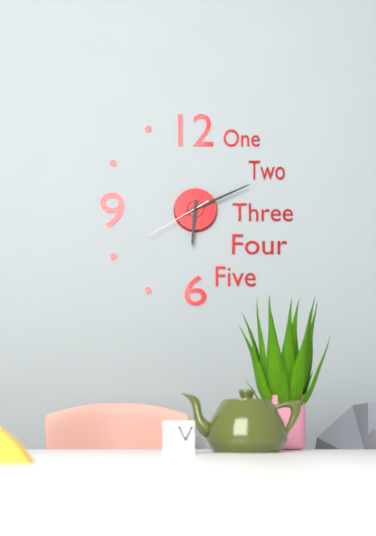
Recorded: 6:11:40
